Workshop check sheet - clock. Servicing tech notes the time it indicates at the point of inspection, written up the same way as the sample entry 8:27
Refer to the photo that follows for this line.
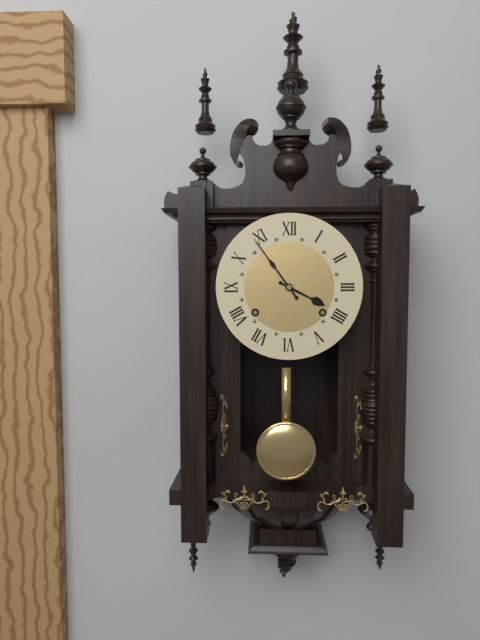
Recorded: 3:54
